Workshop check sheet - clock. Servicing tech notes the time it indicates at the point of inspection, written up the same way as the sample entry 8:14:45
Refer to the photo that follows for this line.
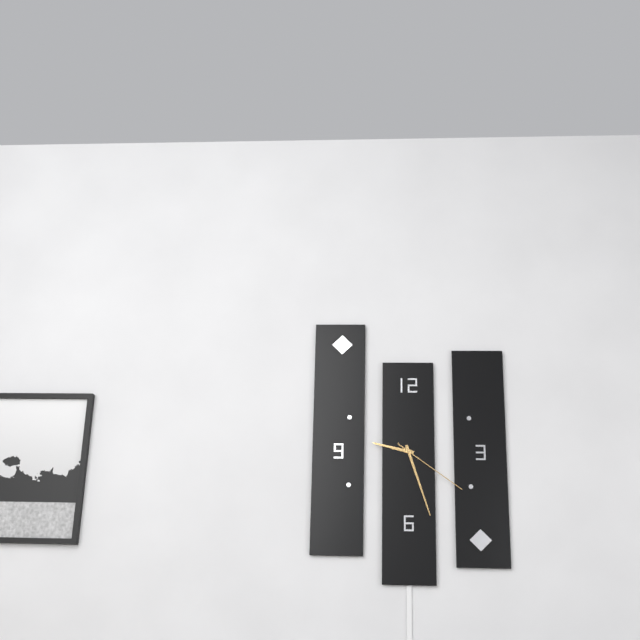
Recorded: 9:27:21
